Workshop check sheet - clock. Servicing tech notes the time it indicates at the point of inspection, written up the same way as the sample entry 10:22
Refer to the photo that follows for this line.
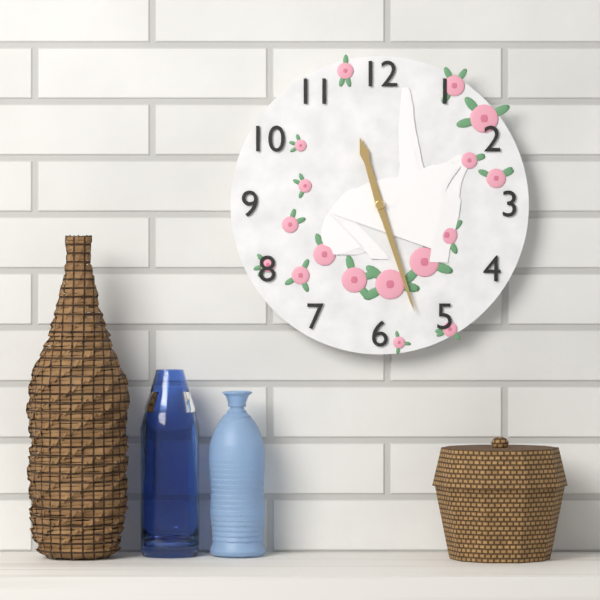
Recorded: 11:27
